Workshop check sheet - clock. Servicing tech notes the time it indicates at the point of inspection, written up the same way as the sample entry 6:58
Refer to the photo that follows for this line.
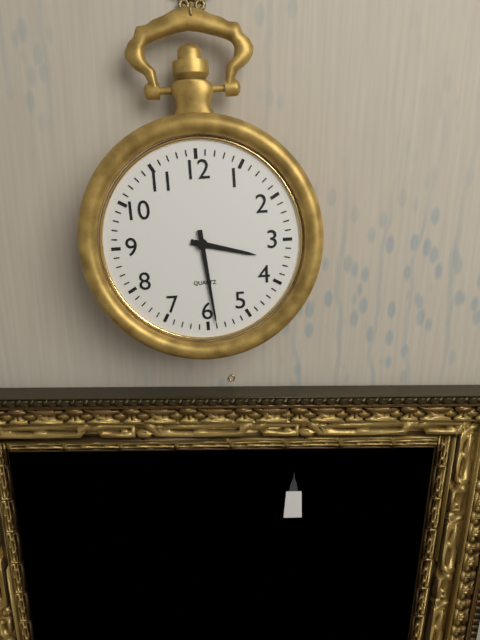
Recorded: 3:29
